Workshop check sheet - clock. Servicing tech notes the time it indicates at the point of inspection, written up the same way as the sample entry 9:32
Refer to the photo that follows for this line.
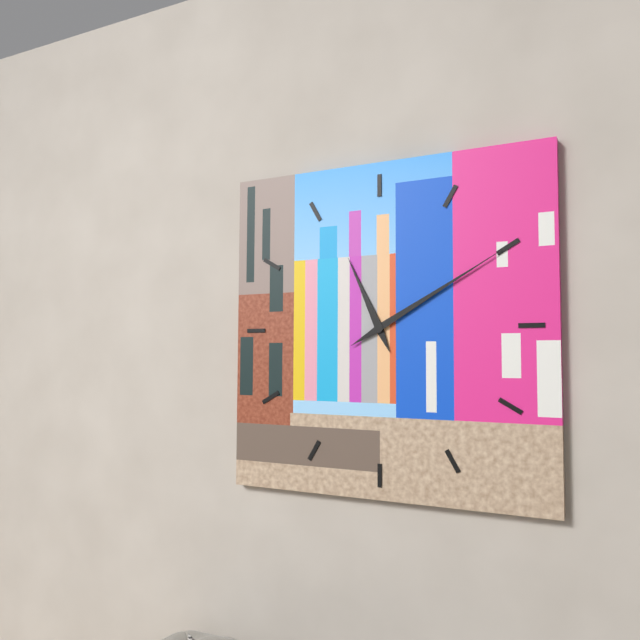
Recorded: 11:10
